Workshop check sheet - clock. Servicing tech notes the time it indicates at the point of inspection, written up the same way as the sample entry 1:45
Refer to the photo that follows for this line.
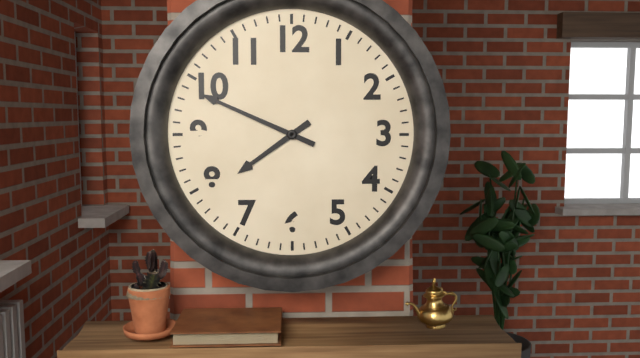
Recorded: 7:49
